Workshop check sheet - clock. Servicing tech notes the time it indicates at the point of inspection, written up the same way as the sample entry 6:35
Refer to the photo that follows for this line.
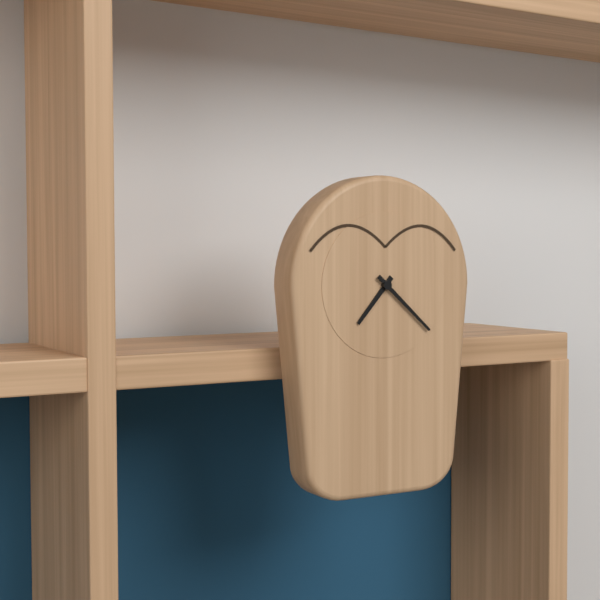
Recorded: 7:22
